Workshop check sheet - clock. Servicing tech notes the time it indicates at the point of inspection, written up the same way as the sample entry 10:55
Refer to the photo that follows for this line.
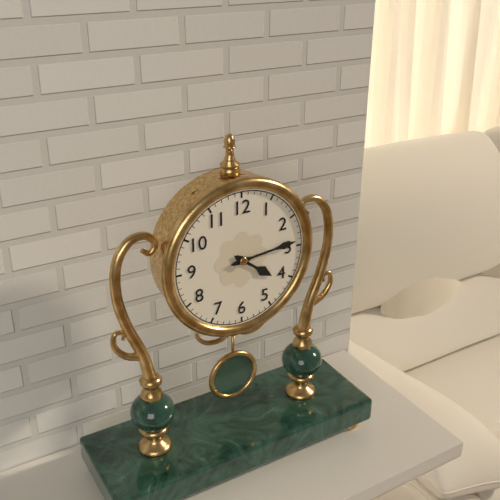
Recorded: 4:14
